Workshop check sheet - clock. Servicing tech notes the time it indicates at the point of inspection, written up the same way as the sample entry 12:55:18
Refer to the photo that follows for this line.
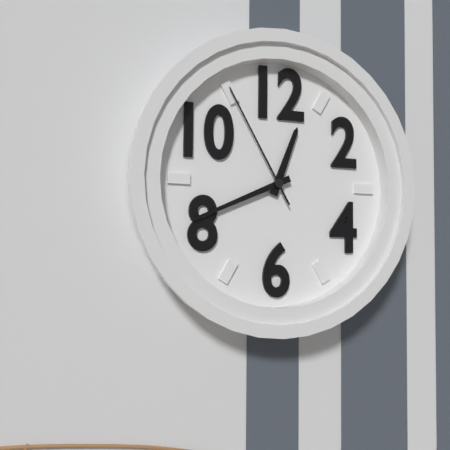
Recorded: 12:41:55
